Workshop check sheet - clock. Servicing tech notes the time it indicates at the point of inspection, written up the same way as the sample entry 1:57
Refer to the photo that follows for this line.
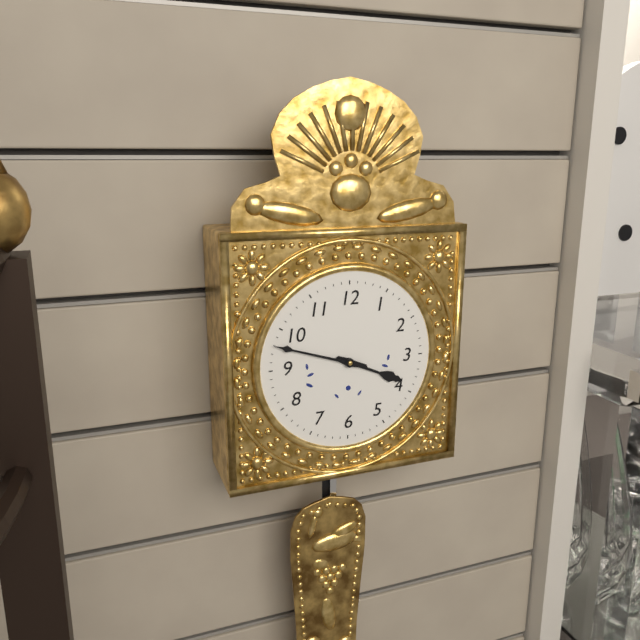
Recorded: 3:48
